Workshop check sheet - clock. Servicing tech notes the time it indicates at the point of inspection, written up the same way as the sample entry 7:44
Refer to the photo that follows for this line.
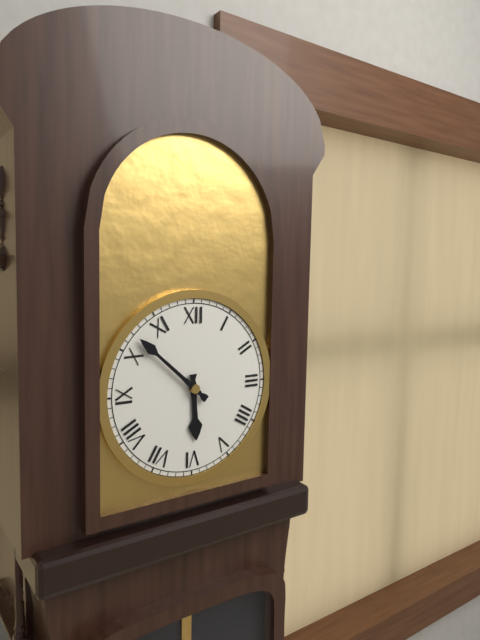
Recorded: 5:52
